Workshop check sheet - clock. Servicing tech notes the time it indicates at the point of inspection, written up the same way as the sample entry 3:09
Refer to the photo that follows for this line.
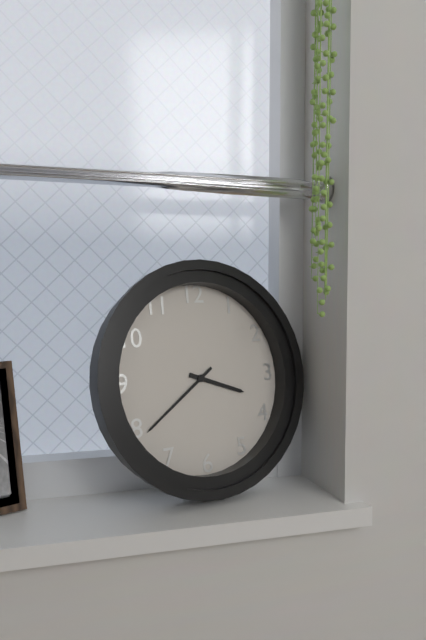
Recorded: 3:39
